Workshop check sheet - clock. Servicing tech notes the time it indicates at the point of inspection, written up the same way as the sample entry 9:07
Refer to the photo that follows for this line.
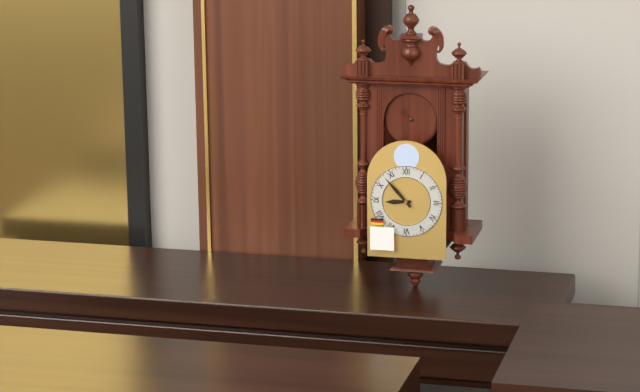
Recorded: 8:53
